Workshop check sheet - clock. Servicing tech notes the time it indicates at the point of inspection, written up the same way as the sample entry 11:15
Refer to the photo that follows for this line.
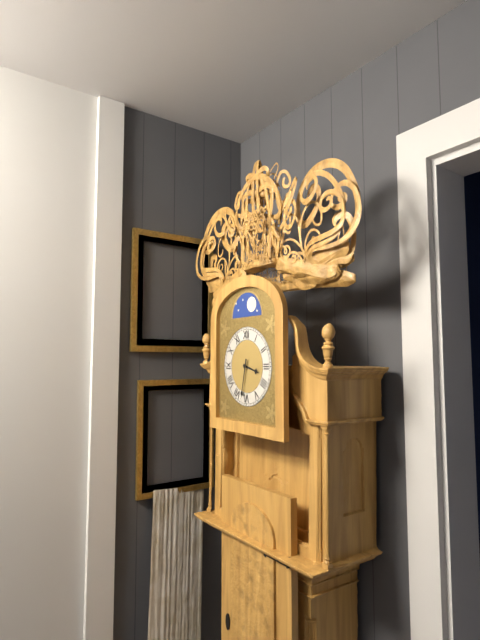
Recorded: 3:32
